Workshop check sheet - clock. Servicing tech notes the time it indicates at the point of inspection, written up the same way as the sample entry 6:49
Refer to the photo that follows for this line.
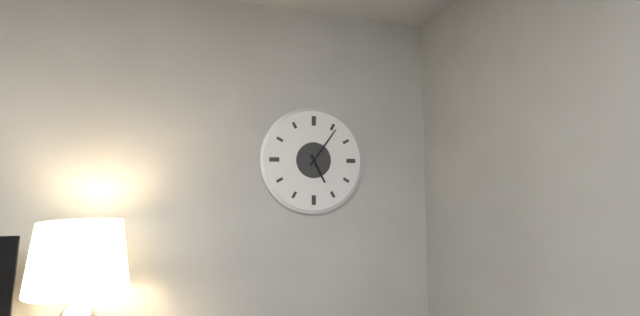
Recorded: 5:06
